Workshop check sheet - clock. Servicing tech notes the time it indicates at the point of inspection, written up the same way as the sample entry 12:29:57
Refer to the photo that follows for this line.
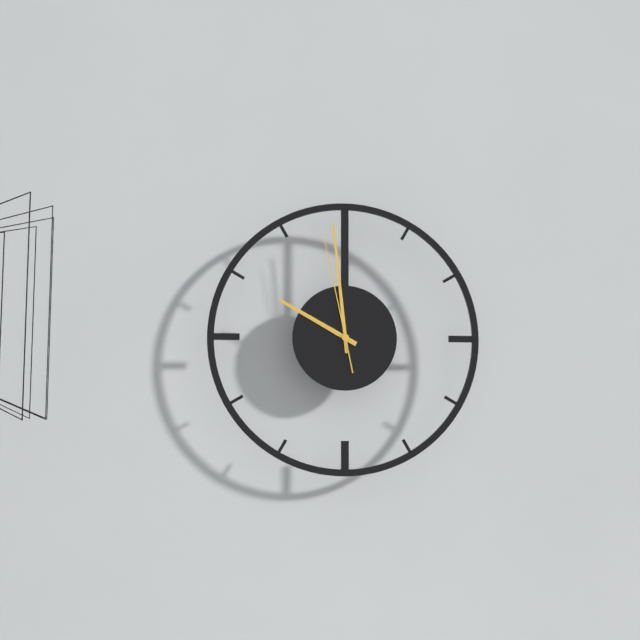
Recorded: 9:59:58
